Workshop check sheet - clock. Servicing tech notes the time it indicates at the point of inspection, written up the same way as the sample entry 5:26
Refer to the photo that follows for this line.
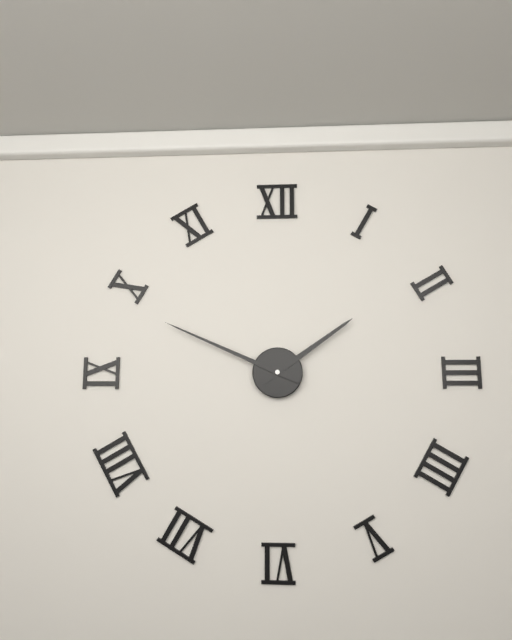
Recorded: 1:49
